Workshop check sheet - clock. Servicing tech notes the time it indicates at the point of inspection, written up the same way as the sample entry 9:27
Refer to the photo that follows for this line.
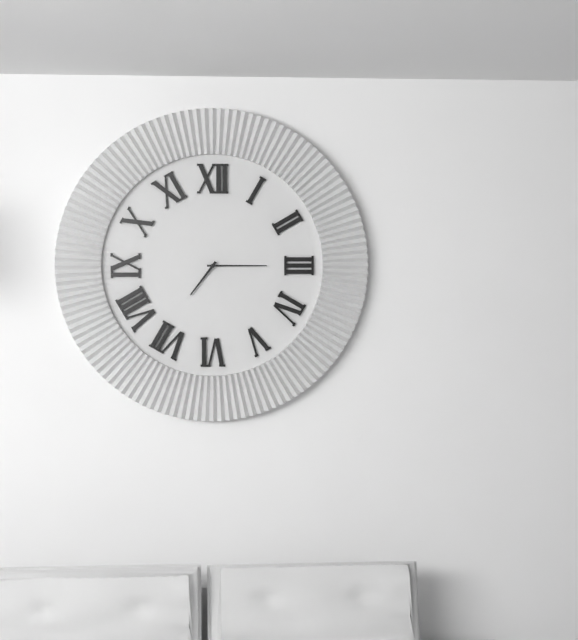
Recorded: 7:15
